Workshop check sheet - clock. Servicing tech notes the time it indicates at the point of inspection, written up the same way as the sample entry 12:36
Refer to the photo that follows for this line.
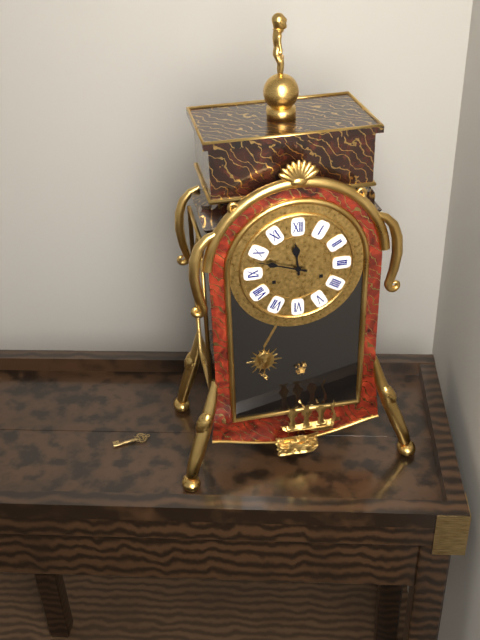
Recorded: 11:48
